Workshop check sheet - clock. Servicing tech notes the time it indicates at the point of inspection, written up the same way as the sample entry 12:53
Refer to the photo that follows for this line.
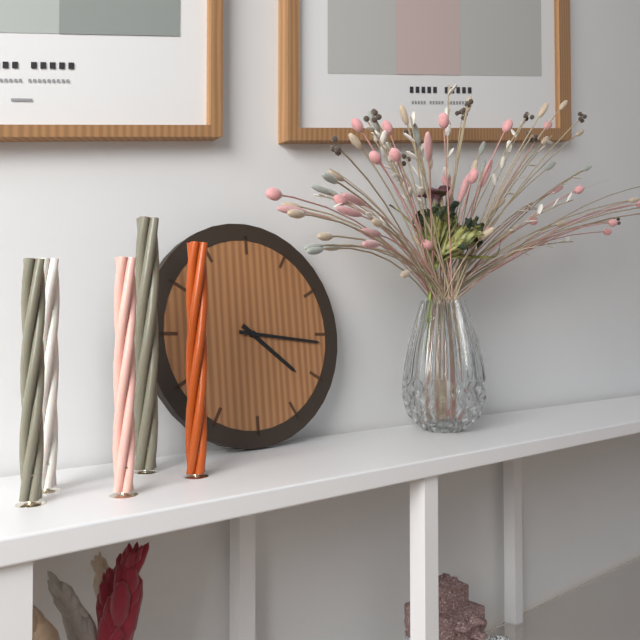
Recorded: 4:16
